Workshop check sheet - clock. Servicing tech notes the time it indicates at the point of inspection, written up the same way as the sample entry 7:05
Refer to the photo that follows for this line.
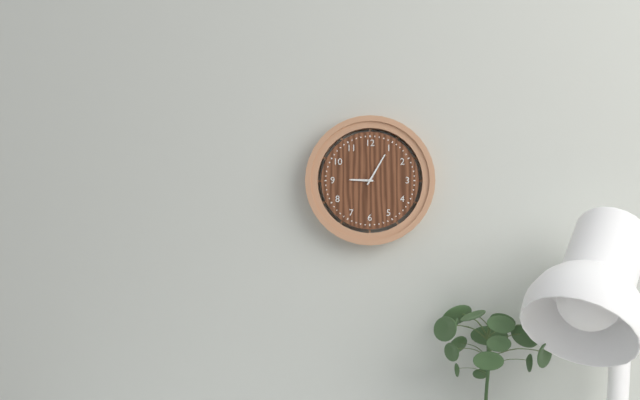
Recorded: 9:05
